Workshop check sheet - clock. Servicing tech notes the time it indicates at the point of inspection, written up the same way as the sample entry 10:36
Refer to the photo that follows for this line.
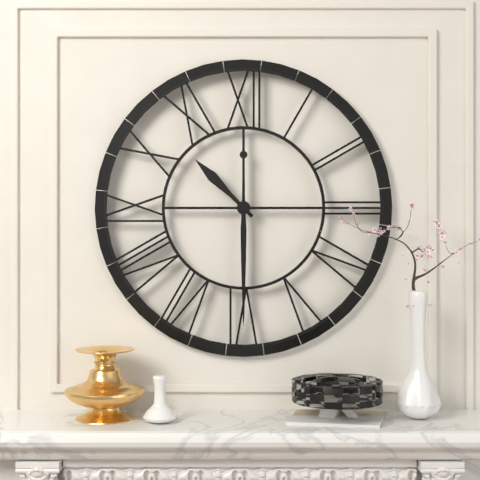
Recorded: 10:30
